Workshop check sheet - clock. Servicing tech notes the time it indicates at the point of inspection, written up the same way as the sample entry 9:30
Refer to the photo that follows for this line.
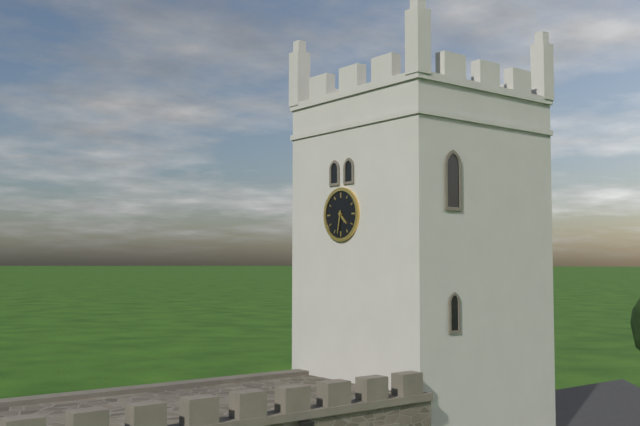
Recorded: 4:32
